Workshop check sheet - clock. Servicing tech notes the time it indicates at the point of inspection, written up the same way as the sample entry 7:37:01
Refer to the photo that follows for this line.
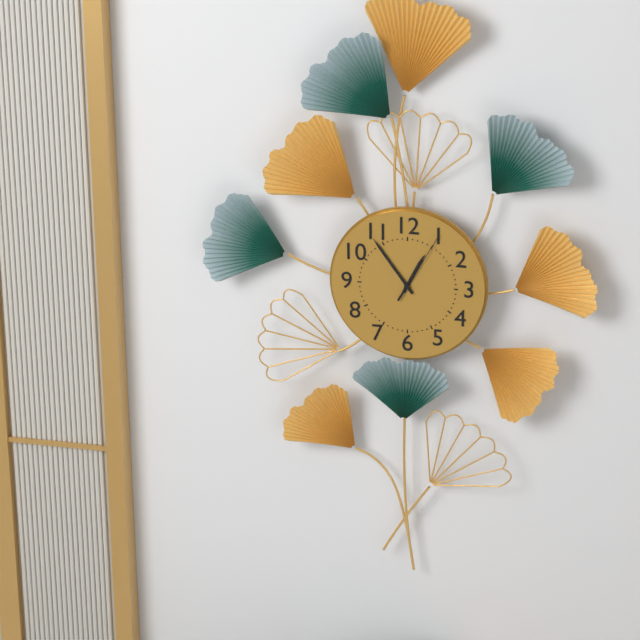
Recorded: 12:54:05
